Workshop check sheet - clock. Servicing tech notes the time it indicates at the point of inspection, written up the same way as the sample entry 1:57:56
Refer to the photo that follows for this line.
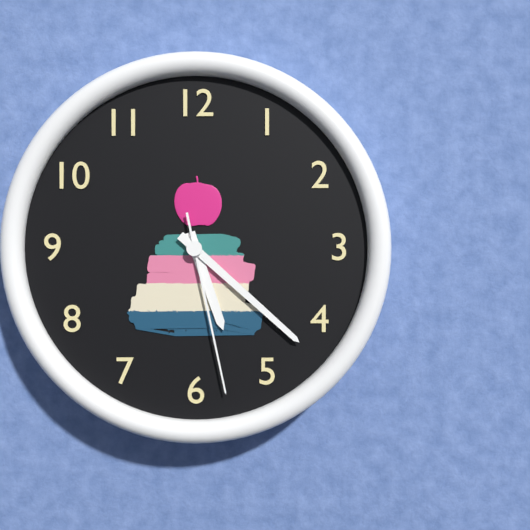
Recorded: 5:22:28
